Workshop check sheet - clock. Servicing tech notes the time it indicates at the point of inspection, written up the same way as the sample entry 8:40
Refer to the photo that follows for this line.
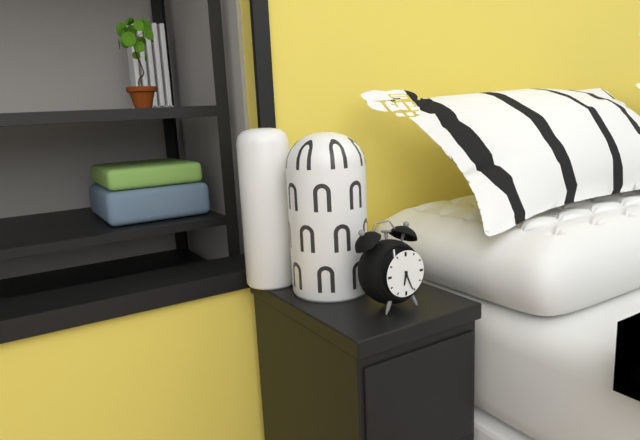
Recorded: 6:26
